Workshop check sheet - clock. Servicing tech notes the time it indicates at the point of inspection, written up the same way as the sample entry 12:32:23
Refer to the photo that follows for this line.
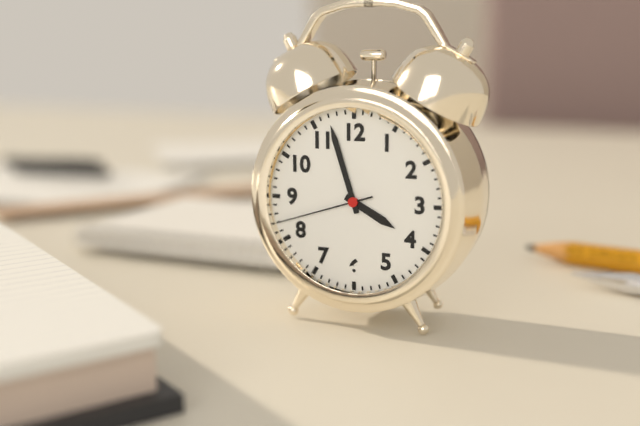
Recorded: 3:57:42
